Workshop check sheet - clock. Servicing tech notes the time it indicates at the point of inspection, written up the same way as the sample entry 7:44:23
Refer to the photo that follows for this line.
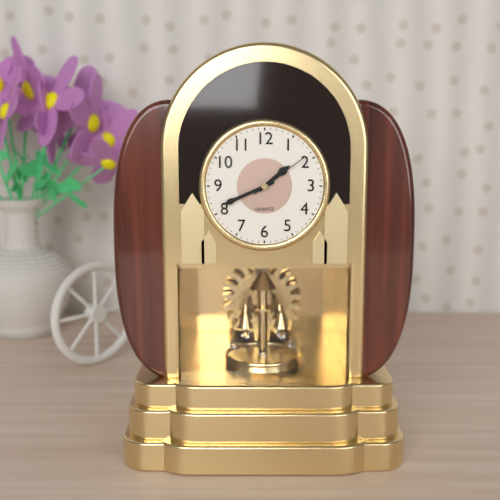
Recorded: 1:41:09
